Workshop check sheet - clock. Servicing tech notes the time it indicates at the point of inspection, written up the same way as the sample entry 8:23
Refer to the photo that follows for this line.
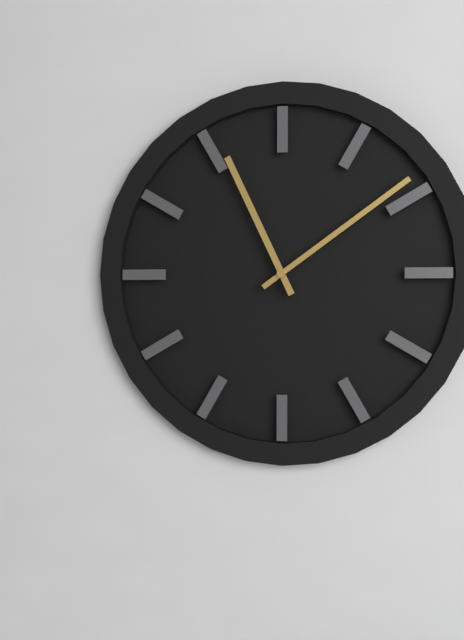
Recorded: 11:09
